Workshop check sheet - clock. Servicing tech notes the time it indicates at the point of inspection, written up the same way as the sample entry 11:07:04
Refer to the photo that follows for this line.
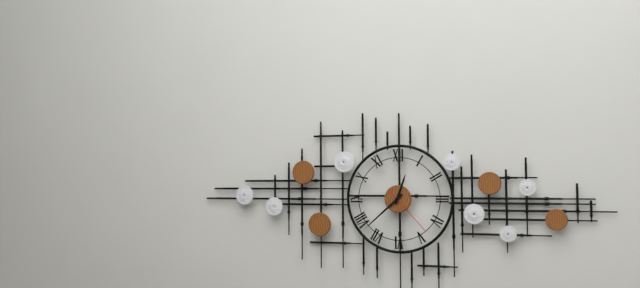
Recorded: 12:38:23
